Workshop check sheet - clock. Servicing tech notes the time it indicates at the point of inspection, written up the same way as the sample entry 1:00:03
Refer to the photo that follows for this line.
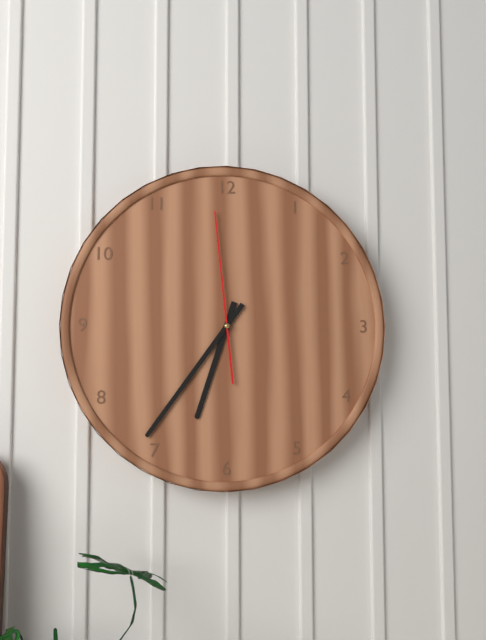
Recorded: 6:36:59
